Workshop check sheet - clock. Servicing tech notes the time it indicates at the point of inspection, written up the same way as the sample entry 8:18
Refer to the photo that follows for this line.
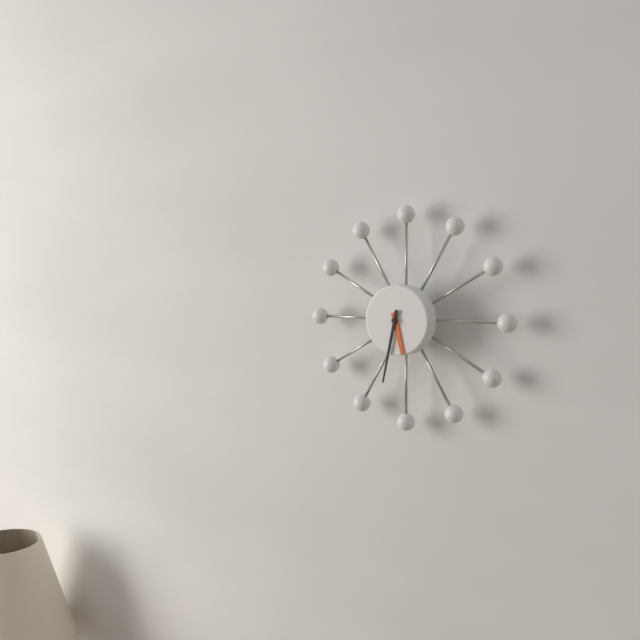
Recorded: 5:32
